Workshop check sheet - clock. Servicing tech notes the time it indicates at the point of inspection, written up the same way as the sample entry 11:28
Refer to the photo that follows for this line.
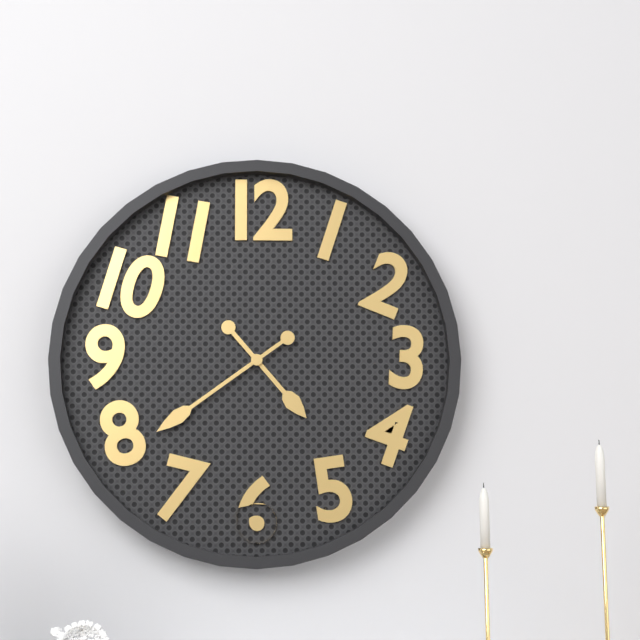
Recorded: 4:39
